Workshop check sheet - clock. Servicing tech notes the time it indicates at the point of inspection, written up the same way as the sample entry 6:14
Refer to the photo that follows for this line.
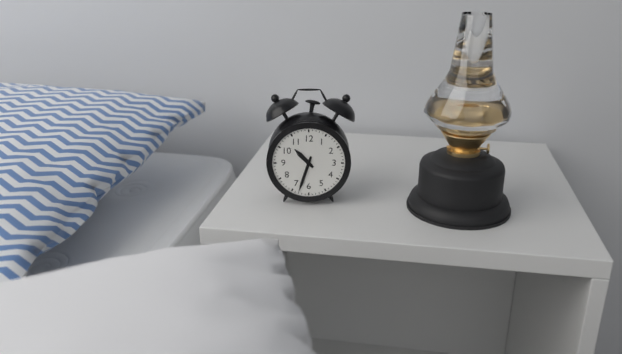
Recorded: 10:33
